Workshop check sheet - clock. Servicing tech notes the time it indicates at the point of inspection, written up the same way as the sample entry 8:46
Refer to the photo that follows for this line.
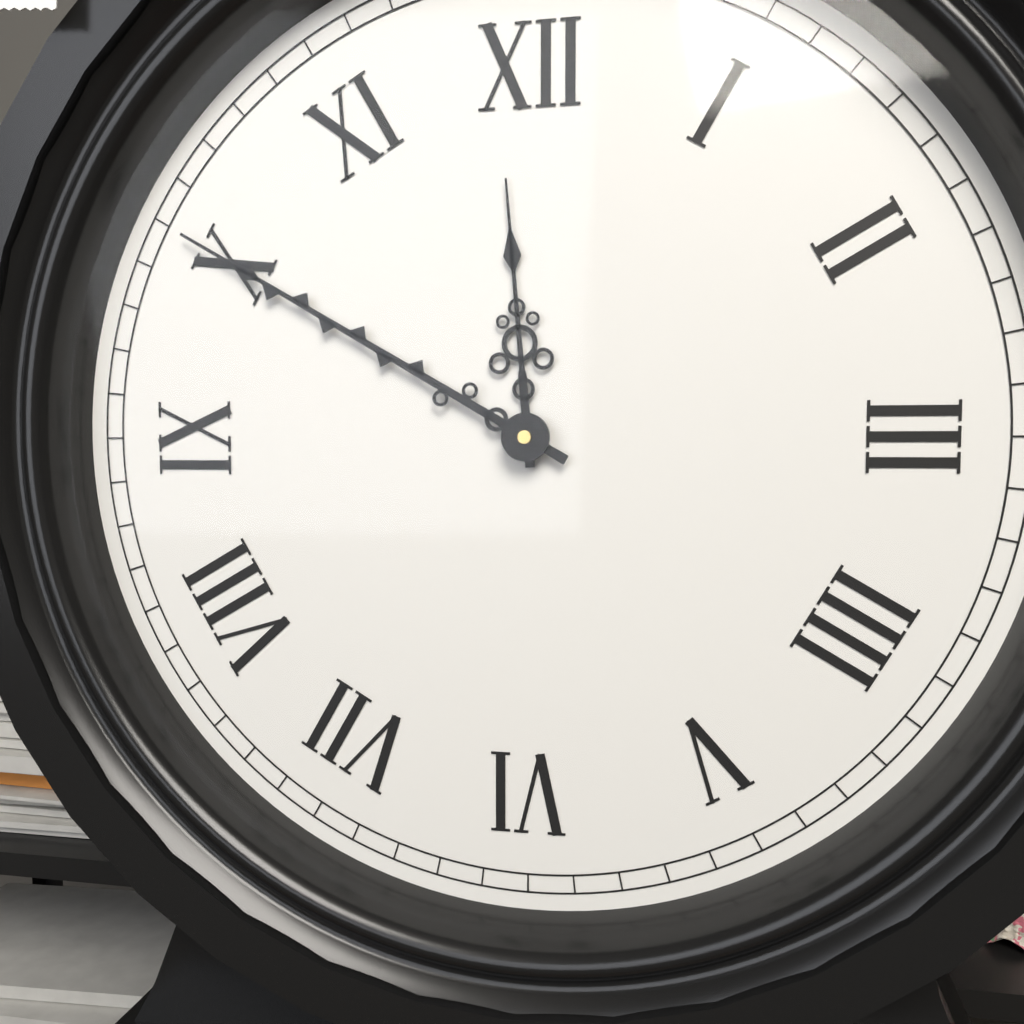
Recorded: 11:50
